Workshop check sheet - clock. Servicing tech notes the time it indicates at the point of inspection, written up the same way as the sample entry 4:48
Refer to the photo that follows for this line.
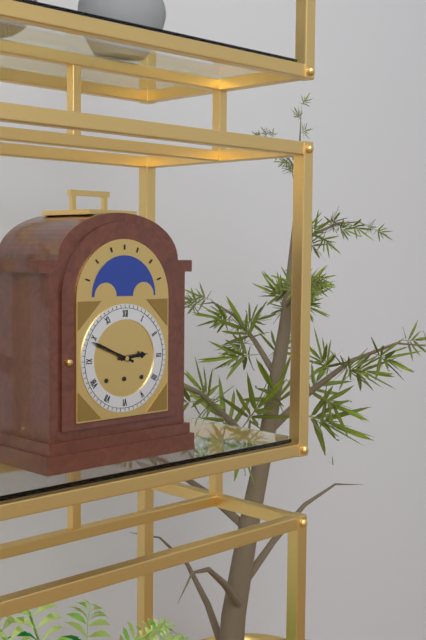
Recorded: 2:49
